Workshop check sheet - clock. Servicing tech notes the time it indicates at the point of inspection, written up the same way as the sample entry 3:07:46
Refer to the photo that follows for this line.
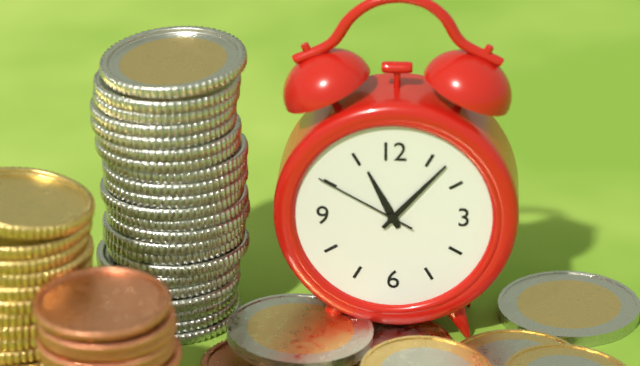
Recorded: 11:07:50
